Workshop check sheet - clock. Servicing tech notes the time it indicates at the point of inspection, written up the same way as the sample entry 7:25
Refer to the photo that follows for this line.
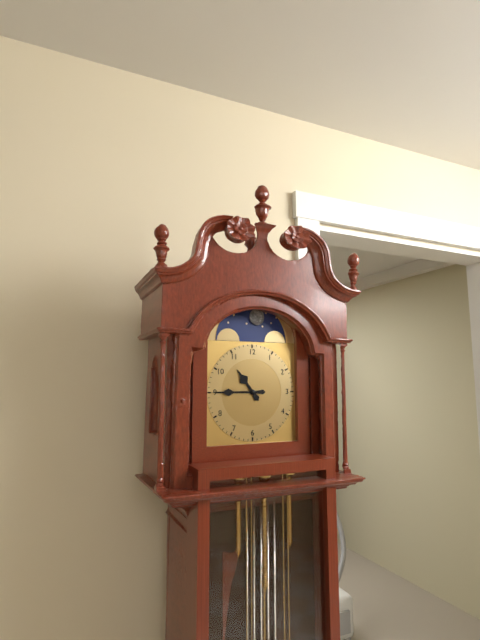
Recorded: 10:45
